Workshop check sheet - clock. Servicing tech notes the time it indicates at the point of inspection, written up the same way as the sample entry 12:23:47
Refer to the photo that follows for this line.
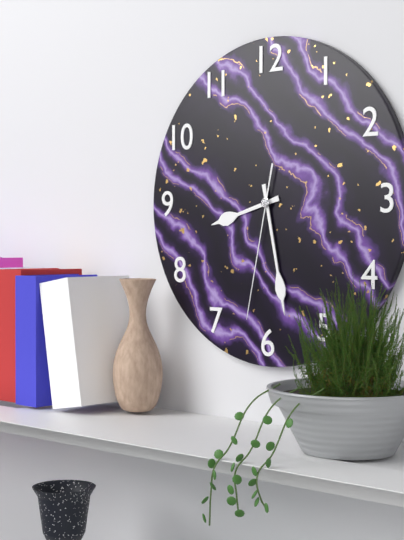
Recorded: 8:28:32
